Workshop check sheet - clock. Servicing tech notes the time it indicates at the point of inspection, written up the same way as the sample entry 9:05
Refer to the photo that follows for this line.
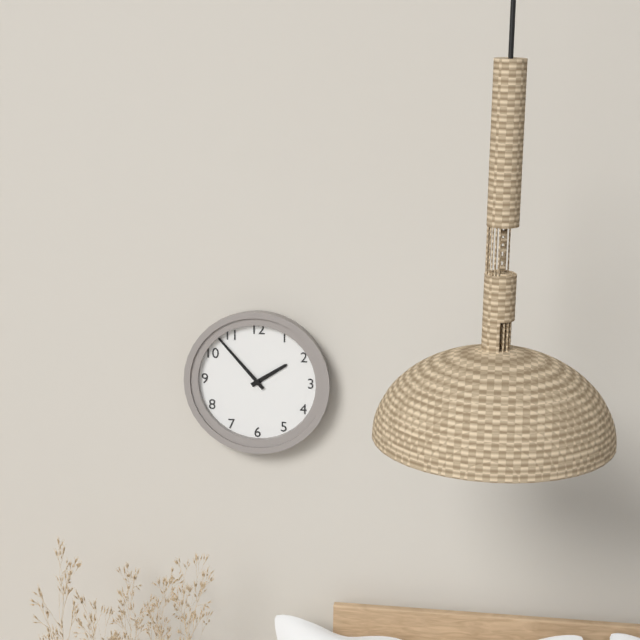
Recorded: 1:53
